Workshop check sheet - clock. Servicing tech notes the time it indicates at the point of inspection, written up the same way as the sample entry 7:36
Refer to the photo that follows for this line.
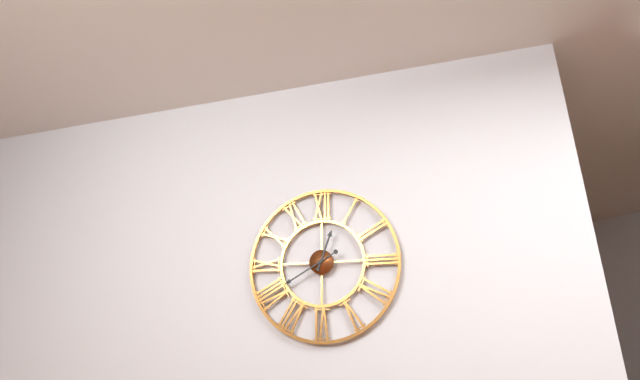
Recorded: 12:40
